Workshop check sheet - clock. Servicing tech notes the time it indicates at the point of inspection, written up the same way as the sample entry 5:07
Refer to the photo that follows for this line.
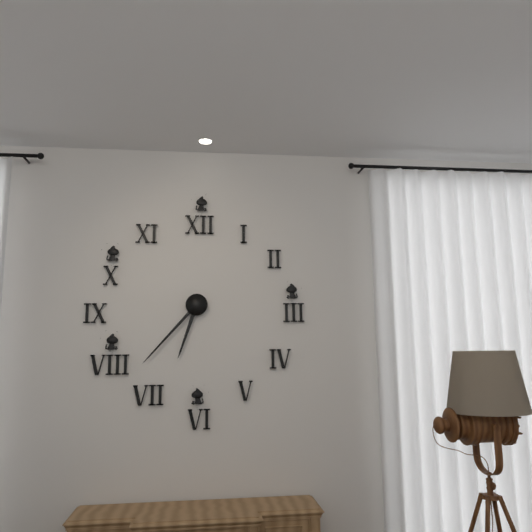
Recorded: 6:37
